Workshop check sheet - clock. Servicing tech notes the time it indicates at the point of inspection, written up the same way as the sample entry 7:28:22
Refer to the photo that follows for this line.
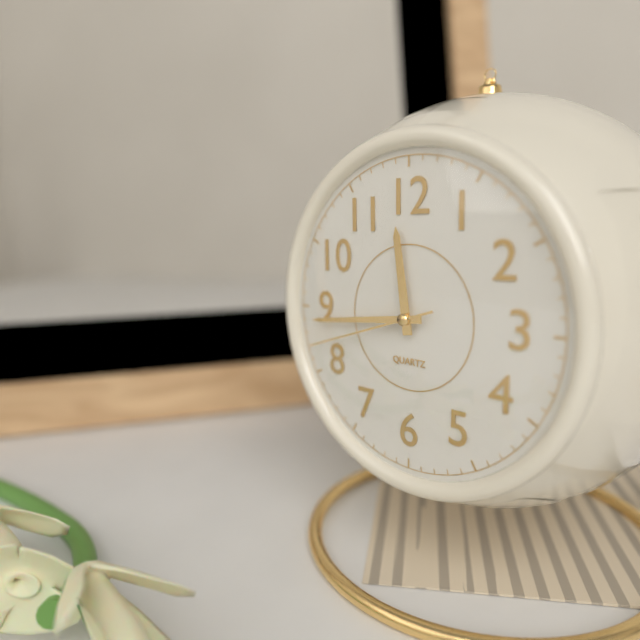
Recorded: 11:44:42
